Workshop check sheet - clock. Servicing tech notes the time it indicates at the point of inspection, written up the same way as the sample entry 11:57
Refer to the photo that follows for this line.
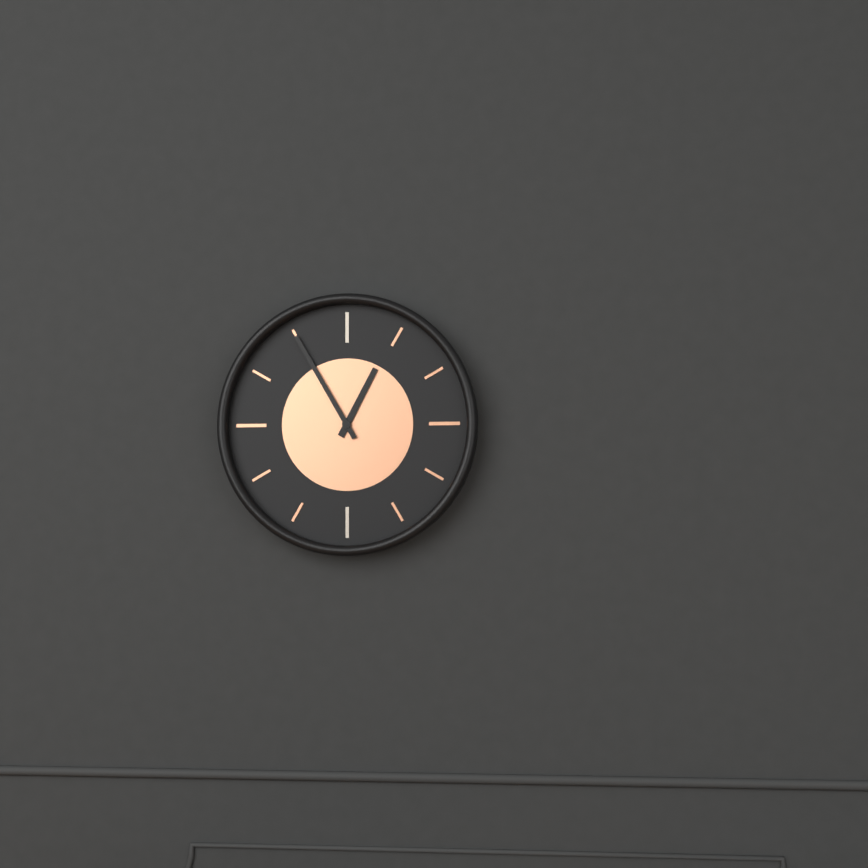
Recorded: 12:55
